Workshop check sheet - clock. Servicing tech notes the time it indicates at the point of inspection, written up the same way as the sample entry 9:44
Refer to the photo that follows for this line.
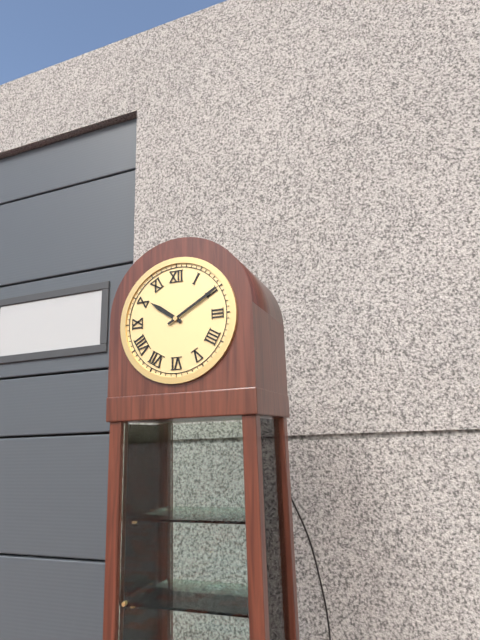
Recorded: 10:10
